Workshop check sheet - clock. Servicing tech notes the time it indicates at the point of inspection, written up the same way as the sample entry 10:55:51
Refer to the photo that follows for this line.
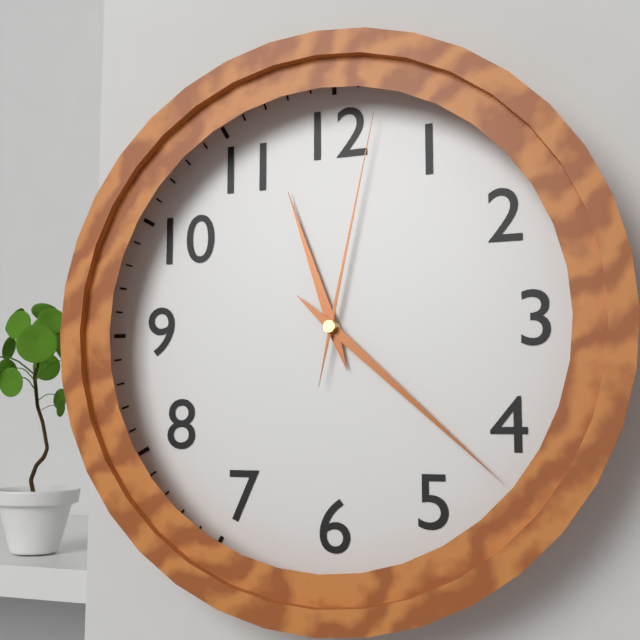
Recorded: 11:22:02
